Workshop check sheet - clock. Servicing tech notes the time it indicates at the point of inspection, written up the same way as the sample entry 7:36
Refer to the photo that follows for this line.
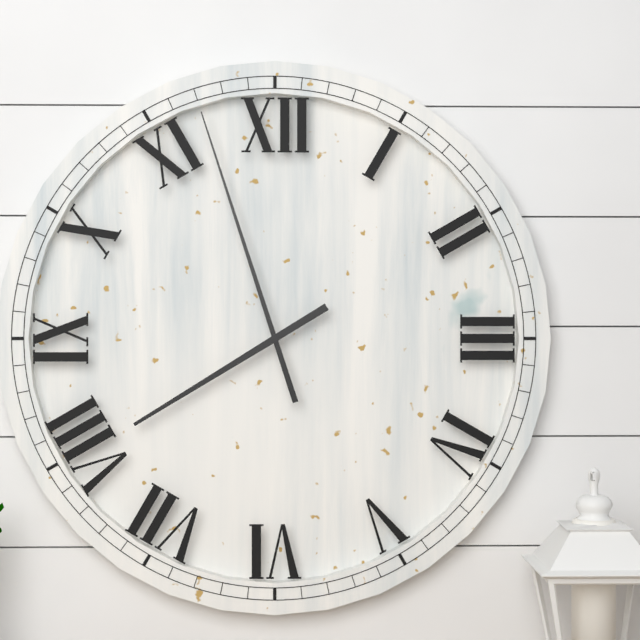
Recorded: 7:57
